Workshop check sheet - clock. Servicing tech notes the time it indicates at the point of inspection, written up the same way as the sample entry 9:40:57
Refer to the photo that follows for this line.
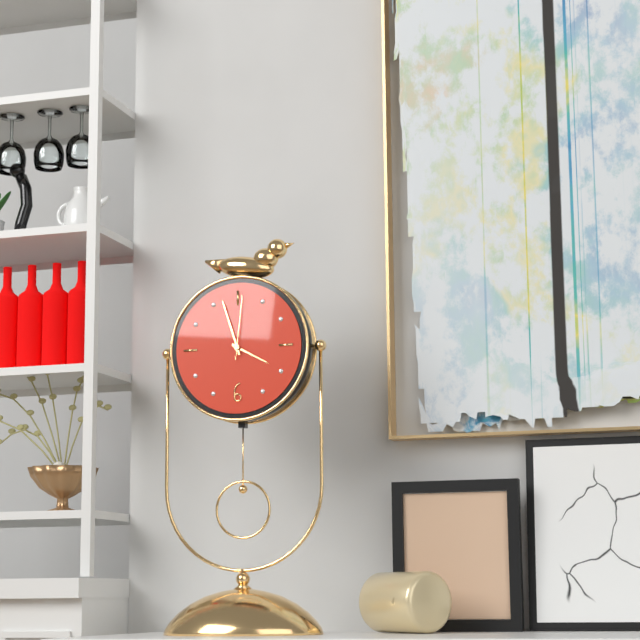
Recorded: 3:57:01
